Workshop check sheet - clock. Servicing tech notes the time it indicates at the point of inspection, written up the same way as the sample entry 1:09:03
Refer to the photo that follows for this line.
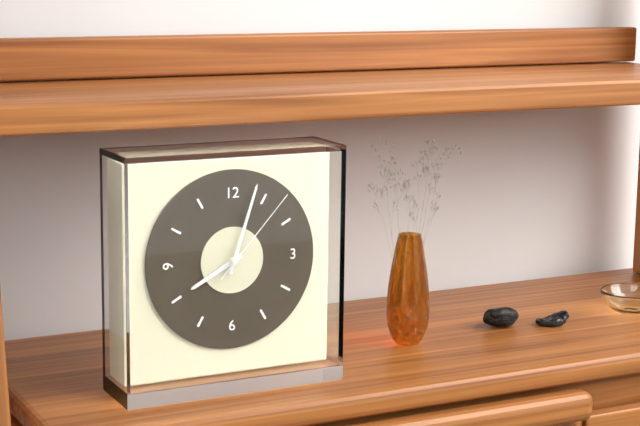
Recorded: 8:03:07
